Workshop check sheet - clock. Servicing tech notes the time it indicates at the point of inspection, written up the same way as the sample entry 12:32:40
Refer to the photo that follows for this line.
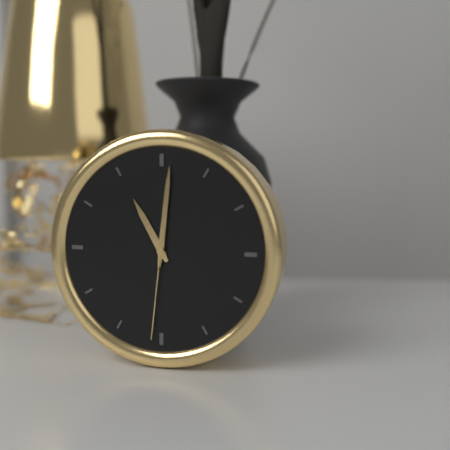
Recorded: 11:01:31
